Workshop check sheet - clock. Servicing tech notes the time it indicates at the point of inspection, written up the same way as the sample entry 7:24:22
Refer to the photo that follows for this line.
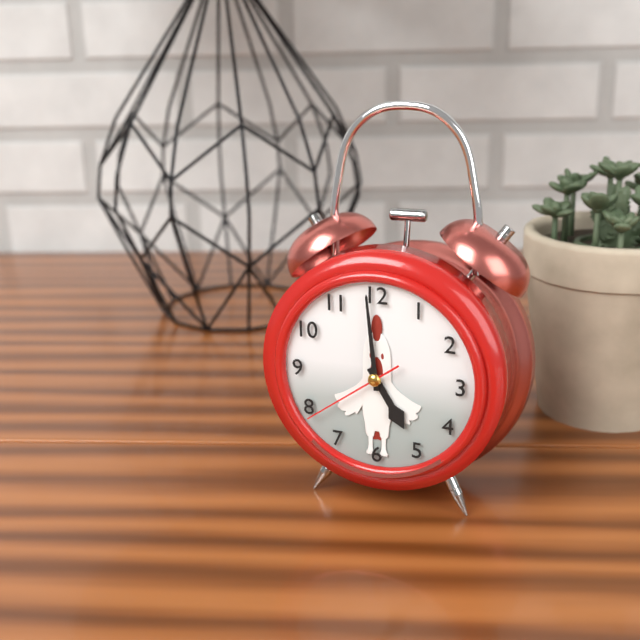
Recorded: 4:59:39
